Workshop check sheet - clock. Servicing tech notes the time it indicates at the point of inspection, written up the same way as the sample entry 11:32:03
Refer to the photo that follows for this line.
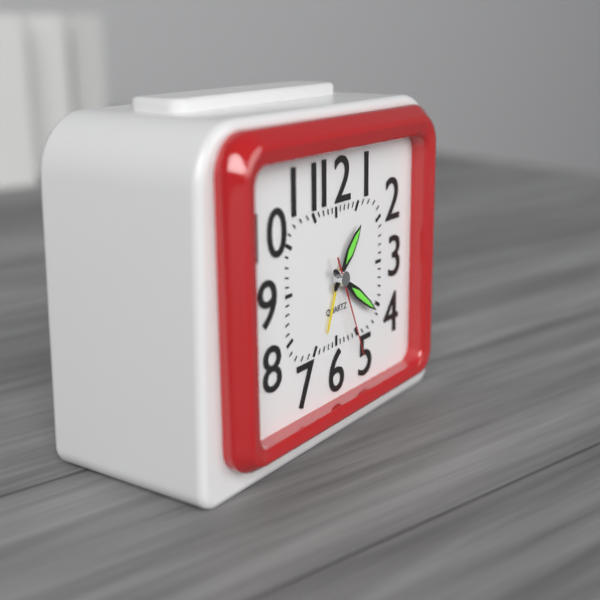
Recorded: 1:21:26
